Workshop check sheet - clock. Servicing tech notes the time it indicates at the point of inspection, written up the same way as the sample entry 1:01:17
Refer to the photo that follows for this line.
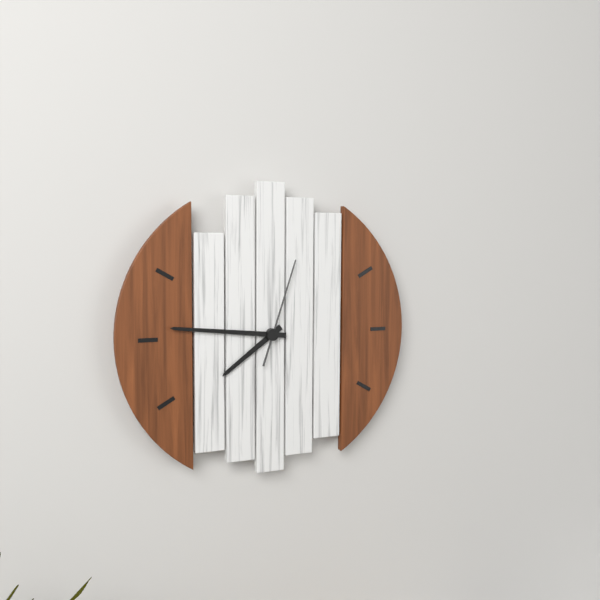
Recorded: 7:46:03
